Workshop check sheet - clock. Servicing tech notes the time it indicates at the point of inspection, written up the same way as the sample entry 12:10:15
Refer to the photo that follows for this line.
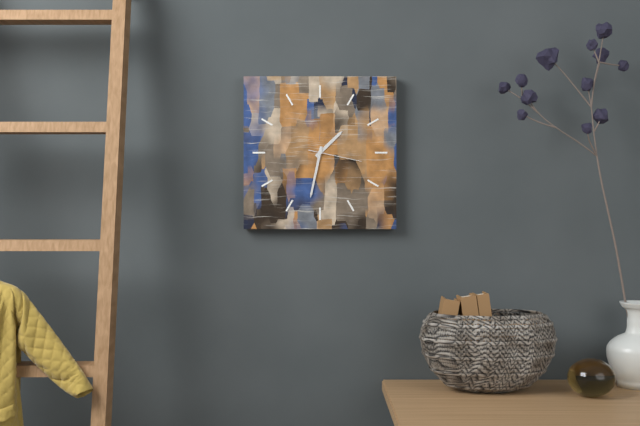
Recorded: 1:32:17
